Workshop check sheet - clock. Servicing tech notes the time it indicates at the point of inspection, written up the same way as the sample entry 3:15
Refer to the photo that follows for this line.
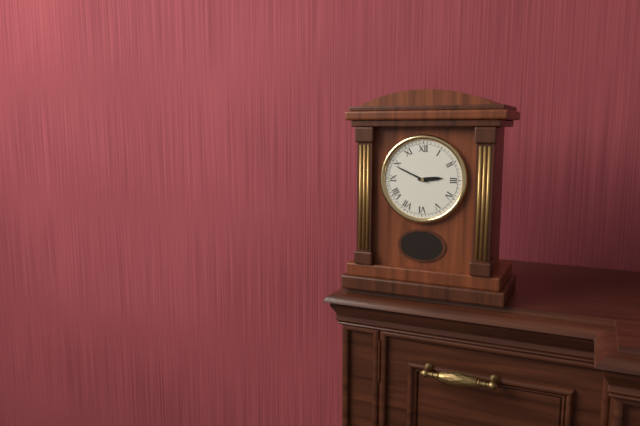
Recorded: 2:49
